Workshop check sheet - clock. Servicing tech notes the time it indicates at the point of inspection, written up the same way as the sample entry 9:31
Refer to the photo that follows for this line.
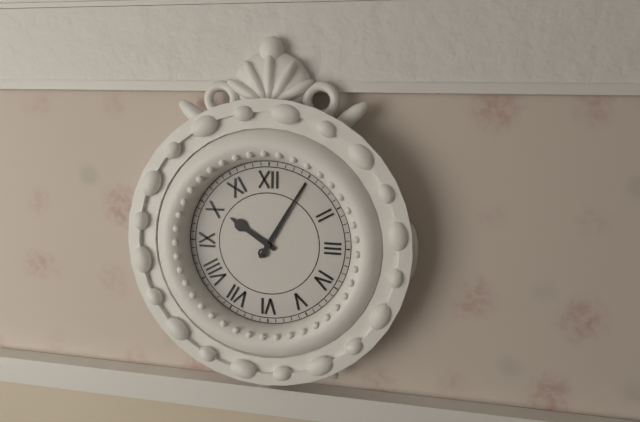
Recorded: 10:05
